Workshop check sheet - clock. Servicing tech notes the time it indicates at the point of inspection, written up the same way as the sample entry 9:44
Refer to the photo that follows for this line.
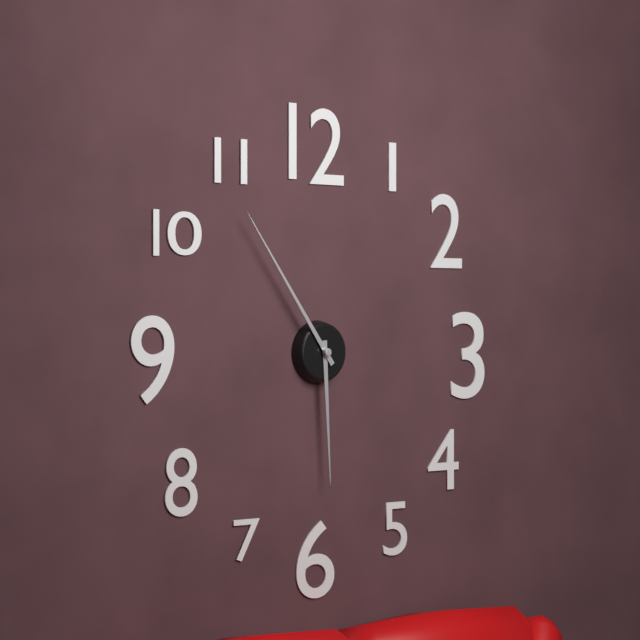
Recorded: 5:54
